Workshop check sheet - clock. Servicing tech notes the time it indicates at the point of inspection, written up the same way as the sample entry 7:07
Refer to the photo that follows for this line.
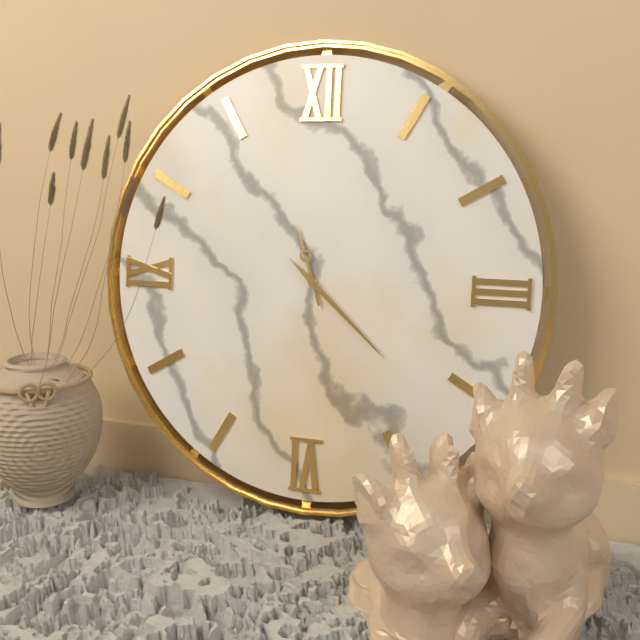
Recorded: 11:22
